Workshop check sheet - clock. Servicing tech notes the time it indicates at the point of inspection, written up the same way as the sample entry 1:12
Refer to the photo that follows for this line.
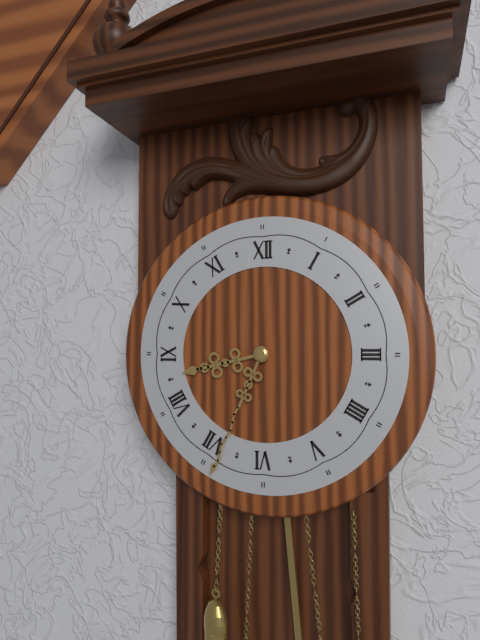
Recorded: 8:34
